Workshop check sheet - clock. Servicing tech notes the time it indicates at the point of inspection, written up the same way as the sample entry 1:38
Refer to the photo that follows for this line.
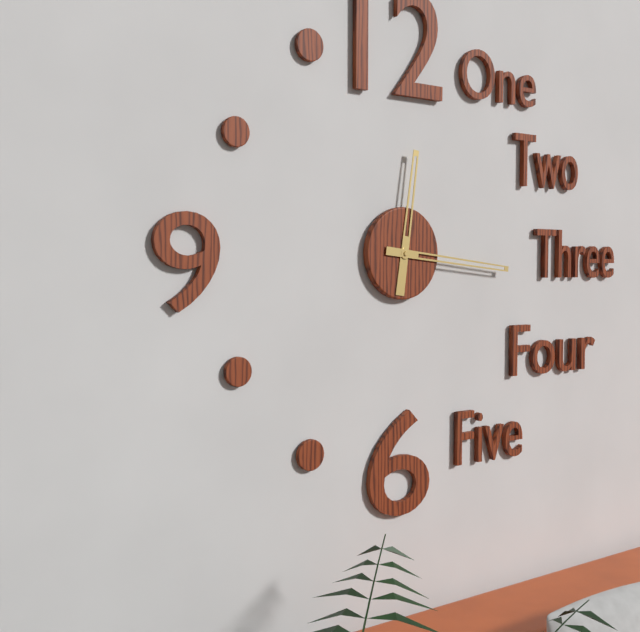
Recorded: 12:16
